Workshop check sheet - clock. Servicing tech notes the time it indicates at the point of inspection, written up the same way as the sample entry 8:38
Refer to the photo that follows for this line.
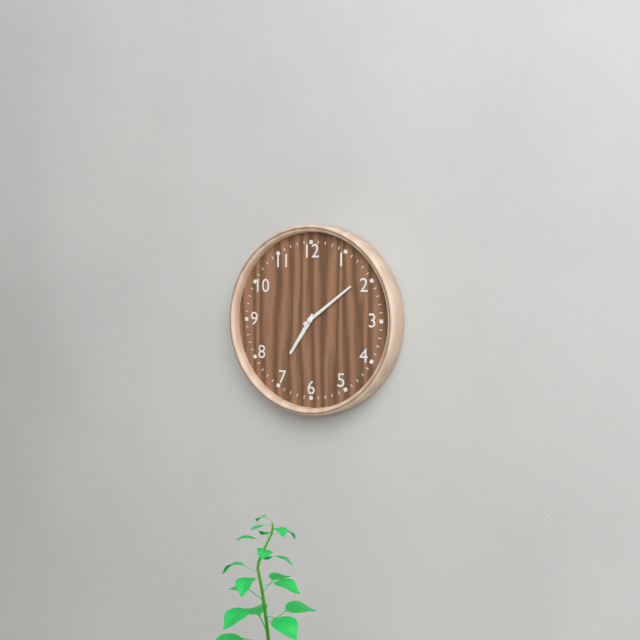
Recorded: 7:09
